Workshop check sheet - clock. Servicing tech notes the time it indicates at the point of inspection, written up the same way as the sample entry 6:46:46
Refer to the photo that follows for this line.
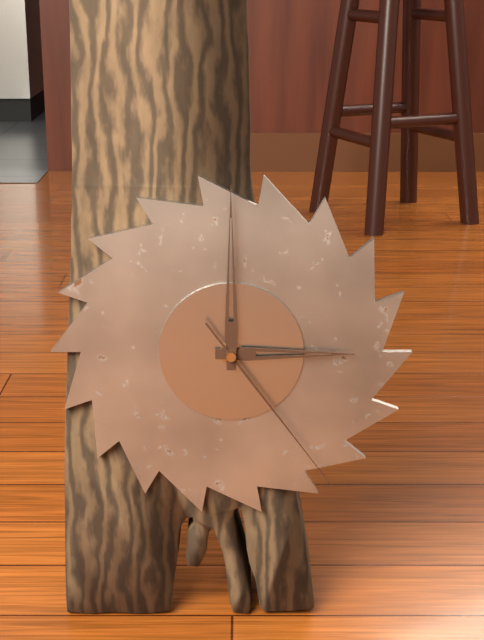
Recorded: 3:00:24
